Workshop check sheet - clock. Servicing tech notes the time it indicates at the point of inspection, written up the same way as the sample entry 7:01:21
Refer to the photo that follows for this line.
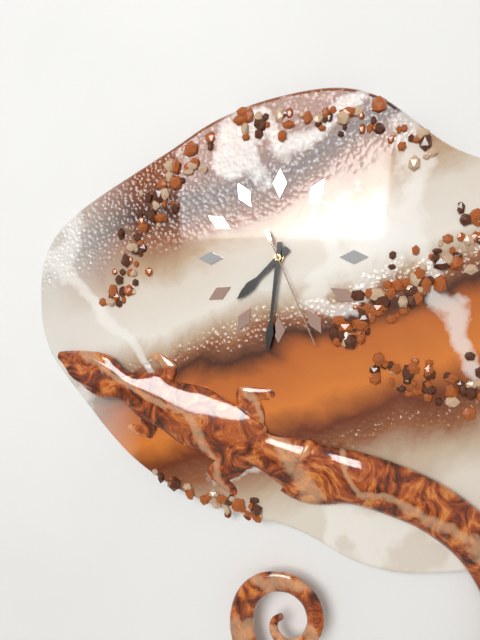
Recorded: 7:31:26
